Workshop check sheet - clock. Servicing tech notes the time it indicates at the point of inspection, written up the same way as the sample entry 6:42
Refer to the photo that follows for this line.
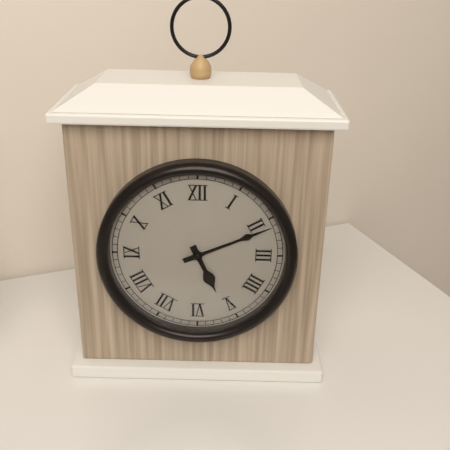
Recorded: 5:11
